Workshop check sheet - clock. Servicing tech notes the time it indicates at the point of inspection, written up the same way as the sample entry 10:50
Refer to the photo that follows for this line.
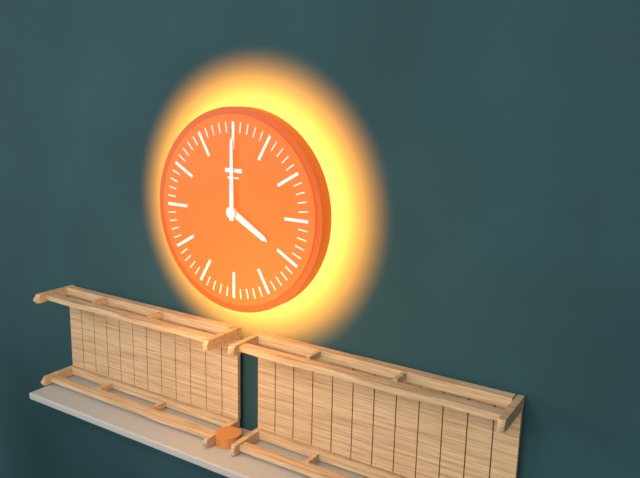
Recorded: 4:00
